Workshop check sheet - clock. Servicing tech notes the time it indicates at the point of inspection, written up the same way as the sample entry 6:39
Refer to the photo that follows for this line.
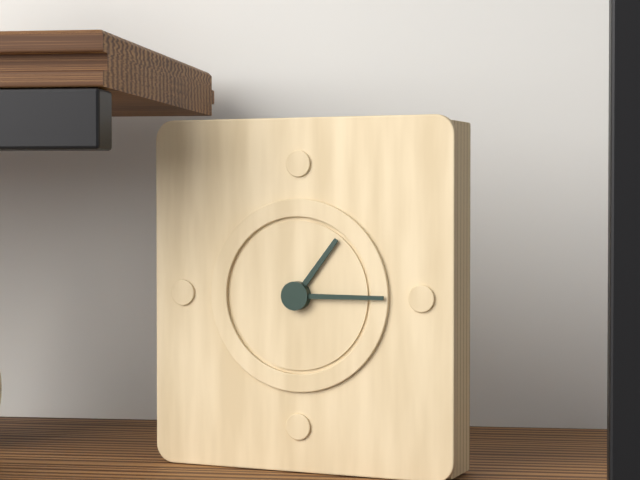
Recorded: 1:15
